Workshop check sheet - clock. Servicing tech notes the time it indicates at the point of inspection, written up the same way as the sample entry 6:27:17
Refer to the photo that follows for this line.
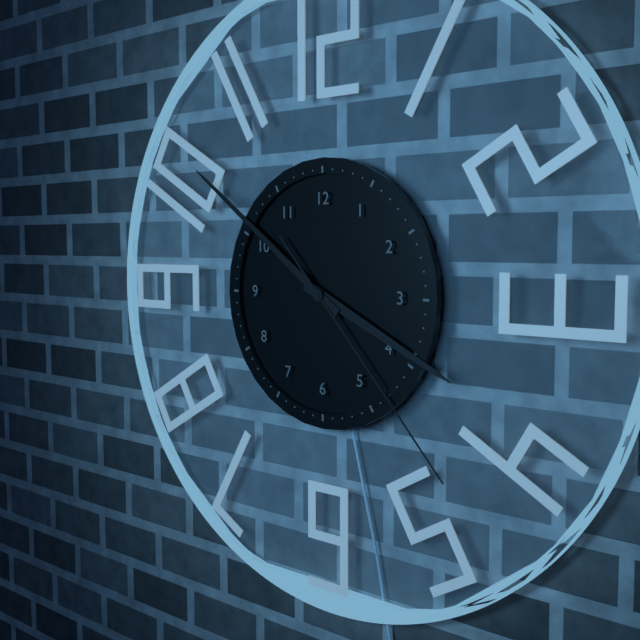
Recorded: 3:51:23
